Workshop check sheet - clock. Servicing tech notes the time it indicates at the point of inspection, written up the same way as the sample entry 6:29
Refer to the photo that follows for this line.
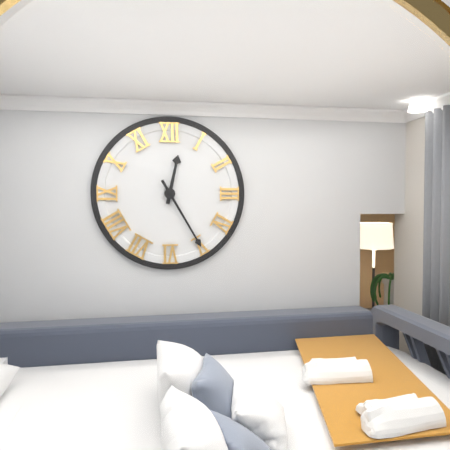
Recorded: 12:25
